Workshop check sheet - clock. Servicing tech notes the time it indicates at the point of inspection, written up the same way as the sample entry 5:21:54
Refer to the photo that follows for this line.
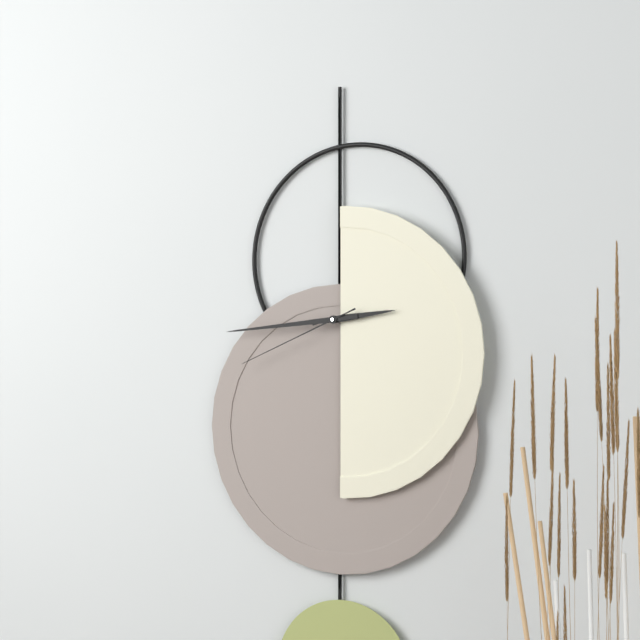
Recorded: 2:44:41
